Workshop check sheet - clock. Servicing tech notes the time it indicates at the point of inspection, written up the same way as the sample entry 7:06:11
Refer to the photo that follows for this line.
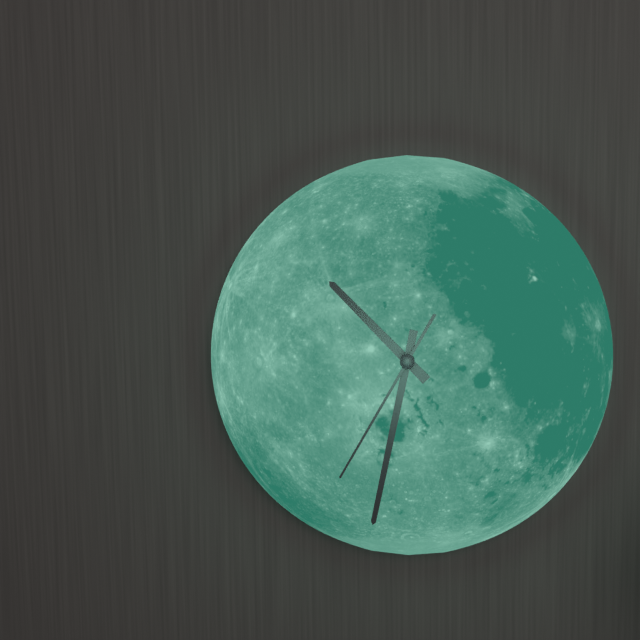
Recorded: 10:32:35
